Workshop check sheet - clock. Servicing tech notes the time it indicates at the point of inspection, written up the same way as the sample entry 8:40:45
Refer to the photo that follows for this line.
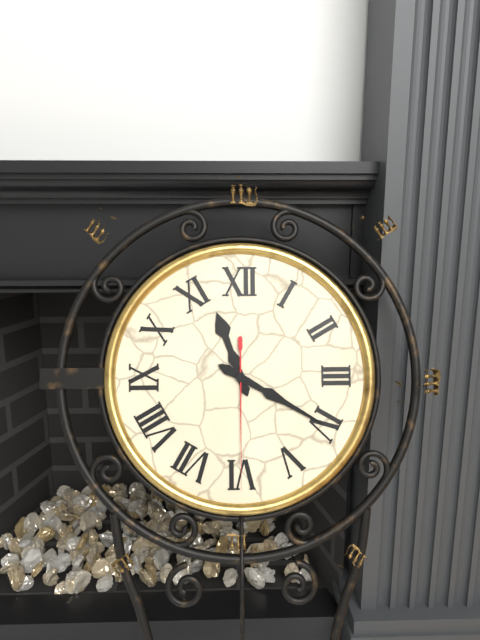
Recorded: 11:20:30
